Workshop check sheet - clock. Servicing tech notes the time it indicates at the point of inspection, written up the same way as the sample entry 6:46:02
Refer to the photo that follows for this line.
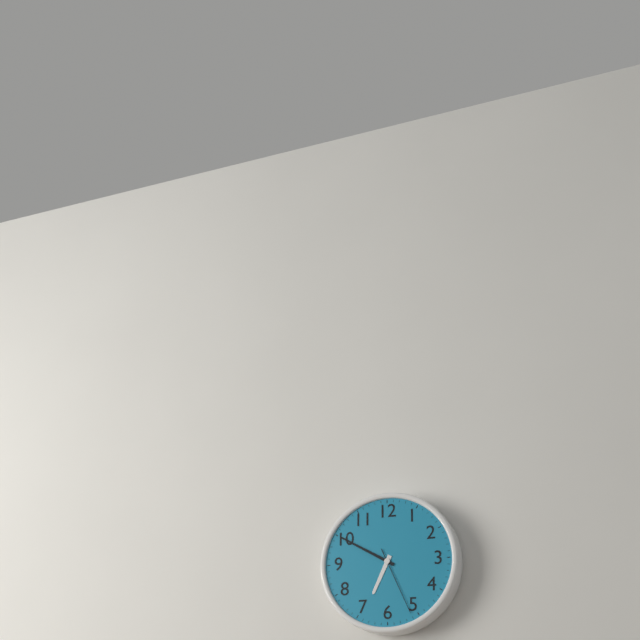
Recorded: 6:50:26
